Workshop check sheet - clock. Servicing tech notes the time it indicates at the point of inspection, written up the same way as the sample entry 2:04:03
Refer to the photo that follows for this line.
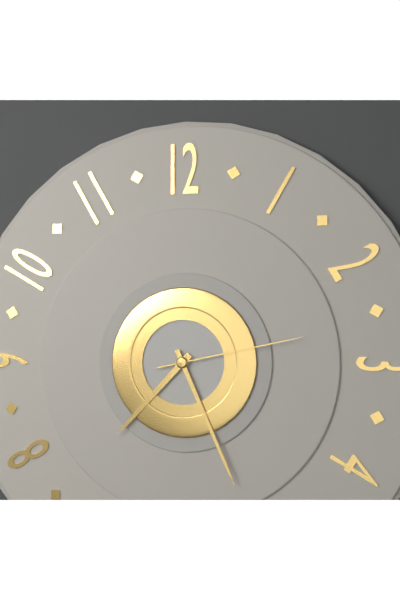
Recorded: 7:26:13
